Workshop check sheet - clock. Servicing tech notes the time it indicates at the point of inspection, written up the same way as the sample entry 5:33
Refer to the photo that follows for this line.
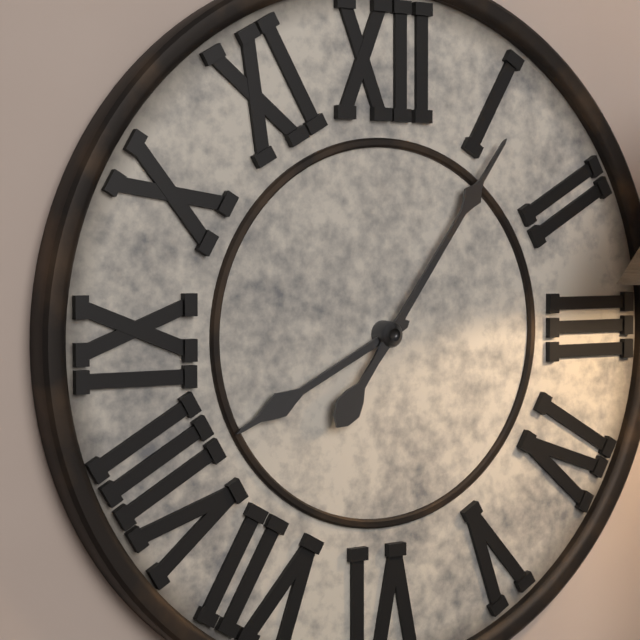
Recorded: 8:06
